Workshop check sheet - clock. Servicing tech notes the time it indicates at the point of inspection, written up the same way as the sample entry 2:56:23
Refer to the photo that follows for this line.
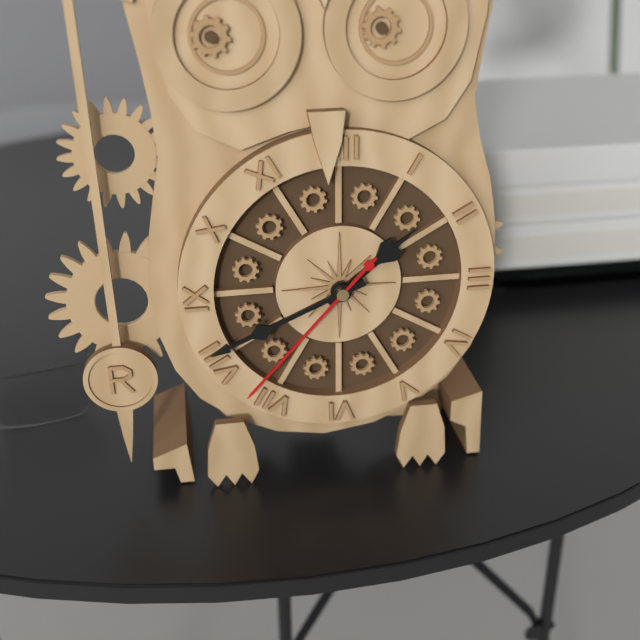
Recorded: 1:41:37
